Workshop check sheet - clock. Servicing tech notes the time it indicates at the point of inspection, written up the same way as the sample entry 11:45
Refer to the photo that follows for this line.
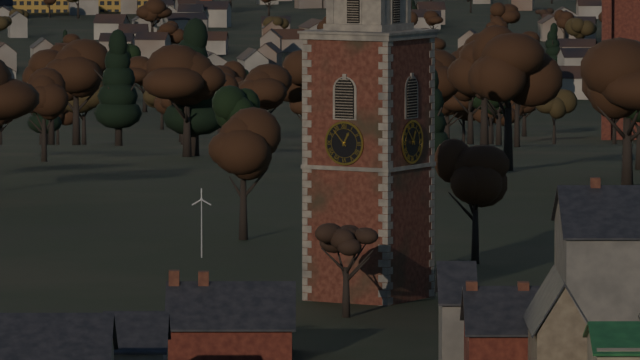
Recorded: 12:53
